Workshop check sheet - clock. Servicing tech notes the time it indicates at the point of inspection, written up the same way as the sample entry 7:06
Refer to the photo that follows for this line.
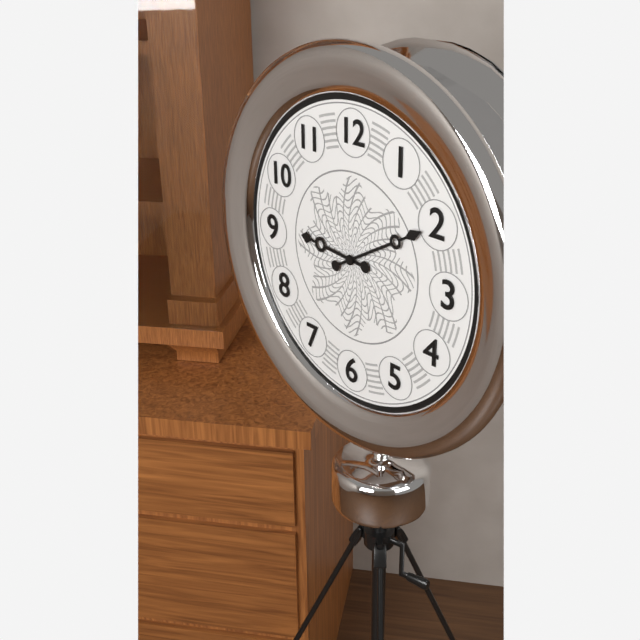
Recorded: 9:10
